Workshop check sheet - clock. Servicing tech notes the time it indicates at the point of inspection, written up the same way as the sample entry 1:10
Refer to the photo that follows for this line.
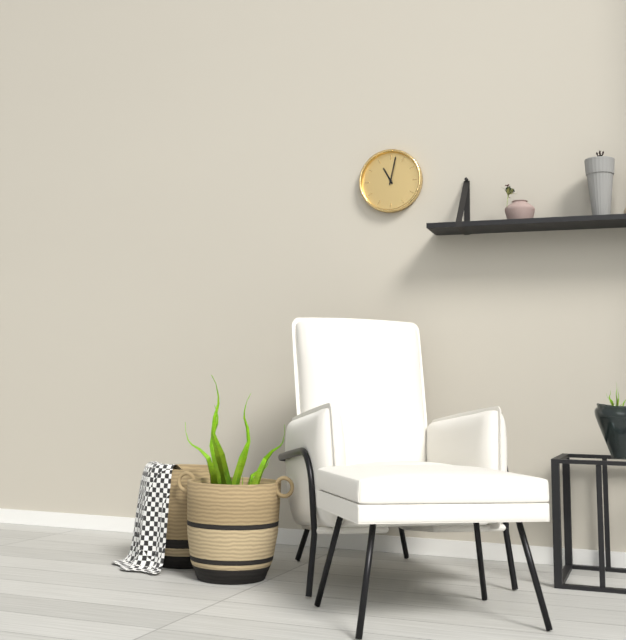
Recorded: 11:02
